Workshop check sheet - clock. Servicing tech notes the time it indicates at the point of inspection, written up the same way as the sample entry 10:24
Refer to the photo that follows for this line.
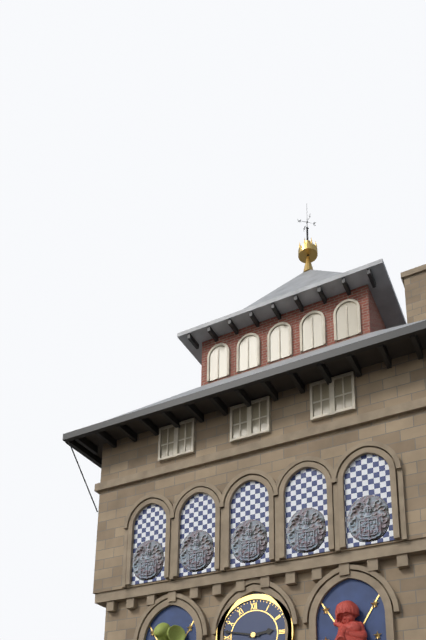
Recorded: 2:47
